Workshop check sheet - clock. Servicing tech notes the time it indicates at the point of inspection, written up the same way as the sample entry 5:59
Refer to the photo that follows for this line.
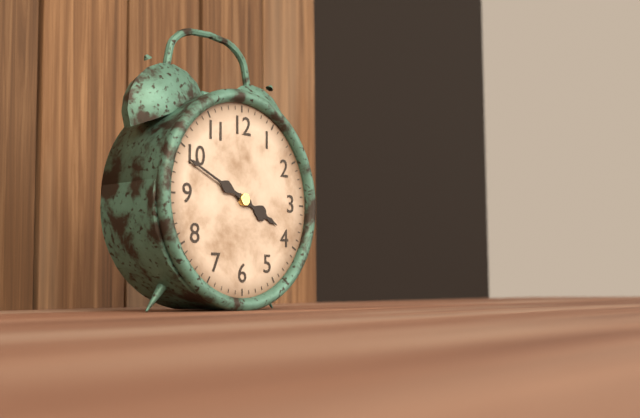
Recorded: 3:49
